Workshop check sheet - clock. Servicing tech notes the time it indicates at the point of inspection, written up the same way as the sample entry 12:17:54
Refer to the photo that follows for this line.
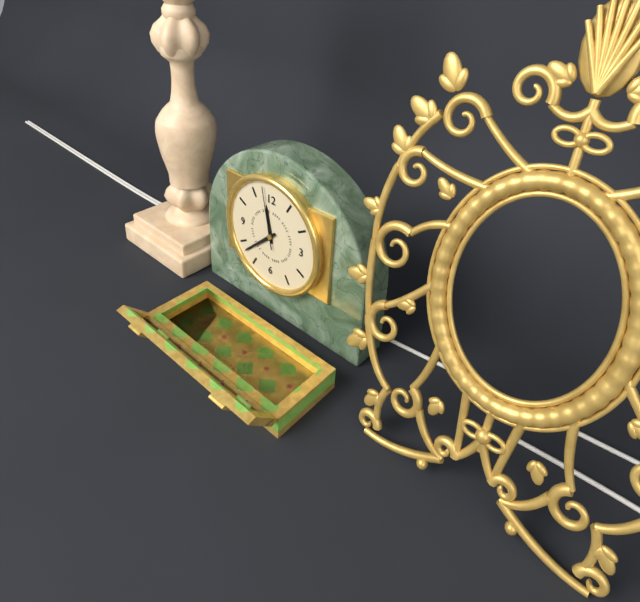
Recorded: 11:38:58
